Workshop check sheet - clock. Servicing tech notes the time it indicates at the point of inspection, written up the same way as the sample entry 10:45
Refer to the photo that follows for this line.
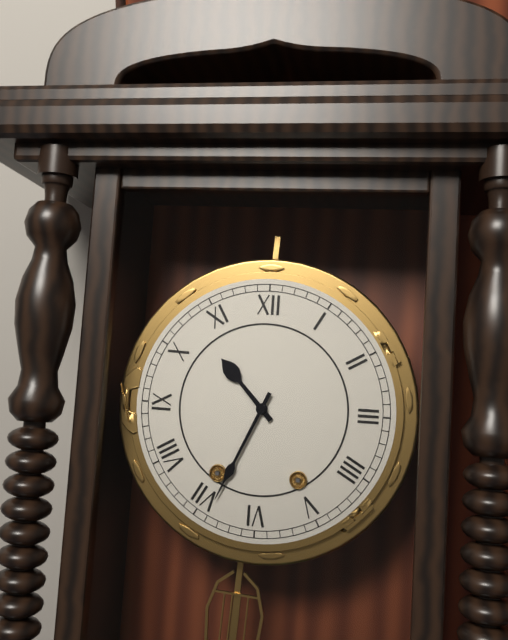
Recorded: 10:34
